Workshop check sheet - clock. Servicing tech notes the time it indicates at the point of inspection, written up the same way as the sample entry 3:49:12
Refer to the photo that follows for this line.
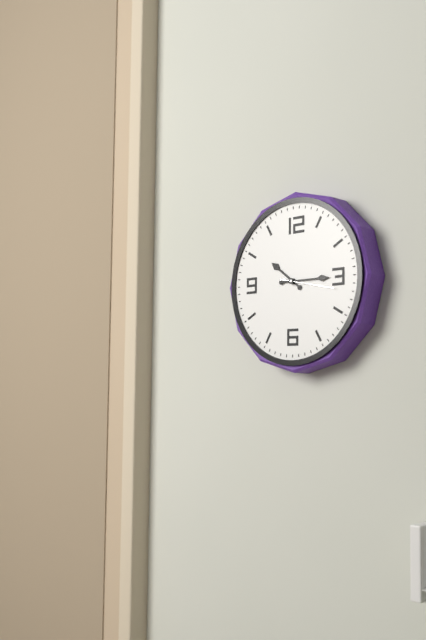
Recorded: 10:15:17
